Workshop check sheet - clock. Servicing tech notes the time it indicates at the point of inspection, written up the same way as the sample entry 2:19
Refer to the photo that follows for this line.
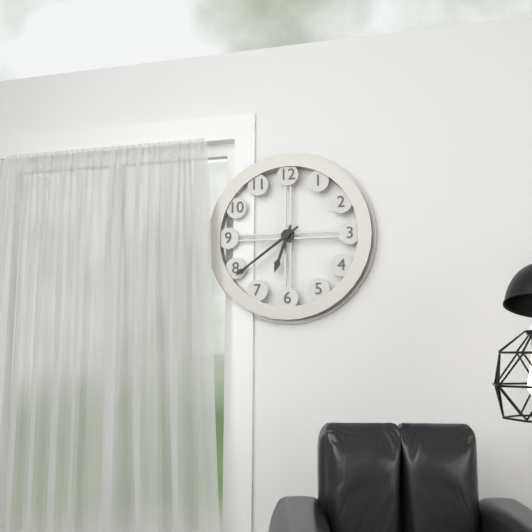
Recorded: 6:39
